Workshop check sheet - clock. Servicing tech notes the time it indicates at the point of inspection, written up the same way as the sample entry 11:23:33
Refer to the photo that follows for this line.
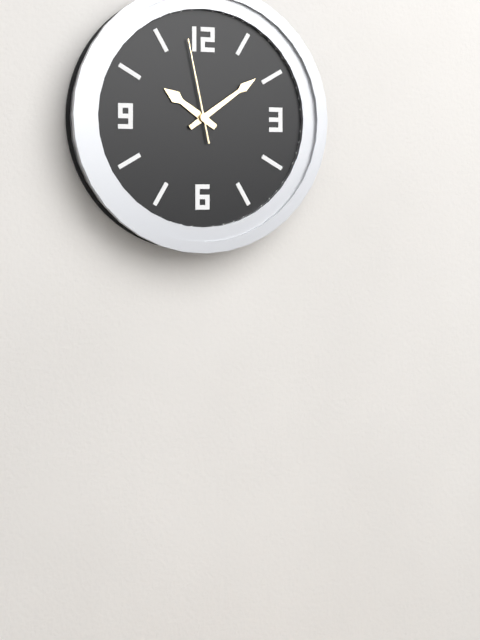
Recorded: 10:09:58
